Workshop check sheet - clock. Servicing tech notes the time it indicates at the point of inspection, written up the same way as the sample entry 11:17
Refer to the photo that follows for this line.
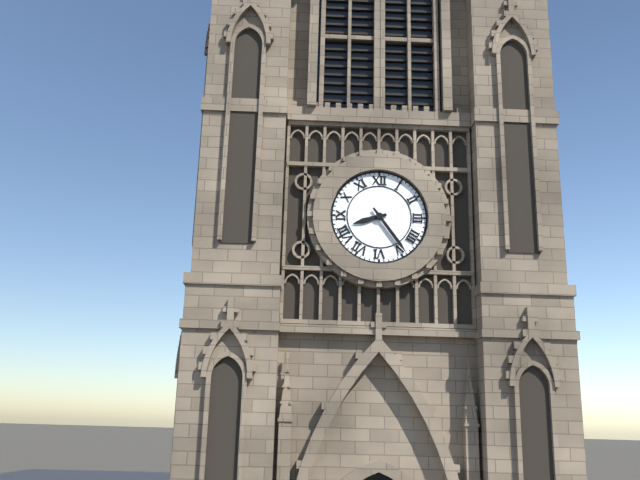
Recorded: 8:24
